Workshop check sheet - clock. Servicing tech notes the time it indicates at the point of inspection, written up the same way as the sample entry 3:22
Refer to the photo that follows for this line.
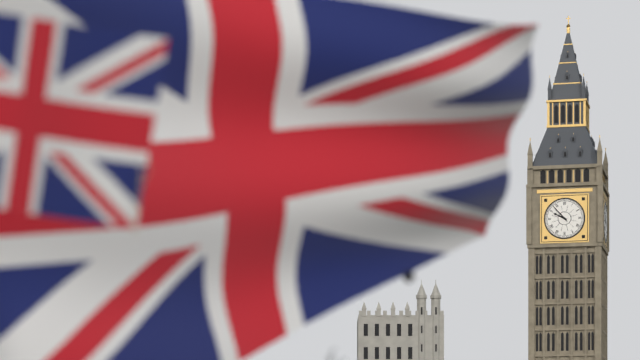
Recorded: 9:53
